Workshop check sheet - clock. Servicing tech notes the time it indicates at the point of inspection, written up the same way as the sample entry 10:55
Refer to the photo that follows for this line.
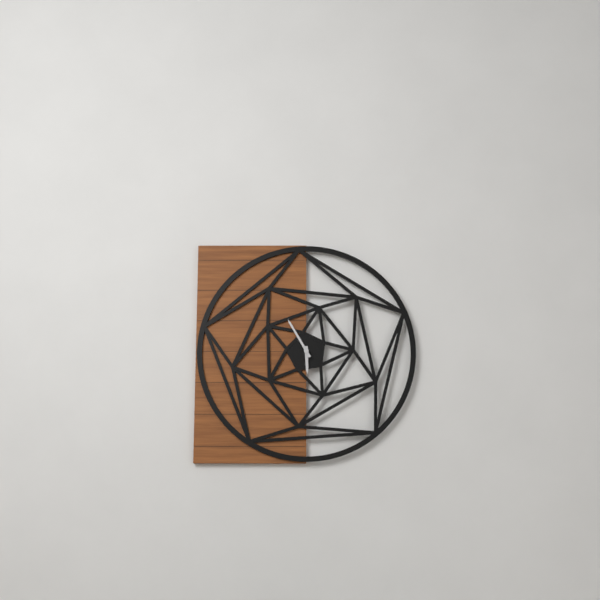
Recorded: 5:55
